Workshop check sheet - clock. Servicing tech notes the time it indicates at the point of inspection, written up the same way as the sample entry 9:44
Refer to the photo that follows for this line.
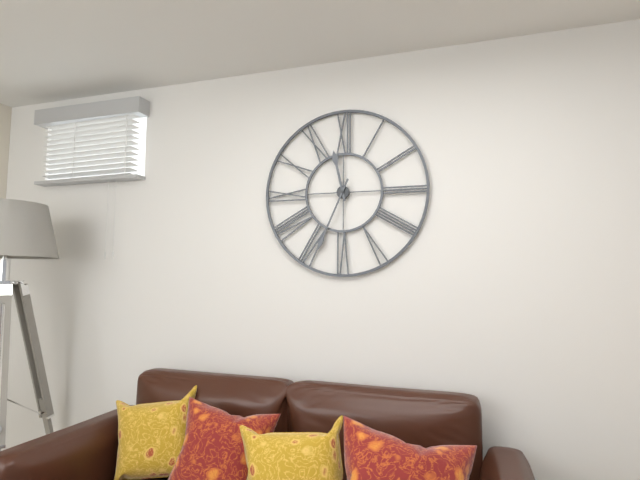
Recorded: 11:34
